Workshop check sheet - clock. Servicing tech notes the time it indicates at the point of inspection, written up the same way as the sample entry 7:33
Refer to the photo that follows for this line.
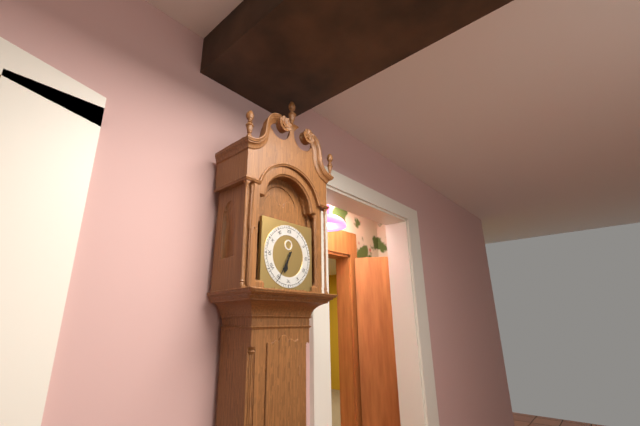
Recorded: 6:35
